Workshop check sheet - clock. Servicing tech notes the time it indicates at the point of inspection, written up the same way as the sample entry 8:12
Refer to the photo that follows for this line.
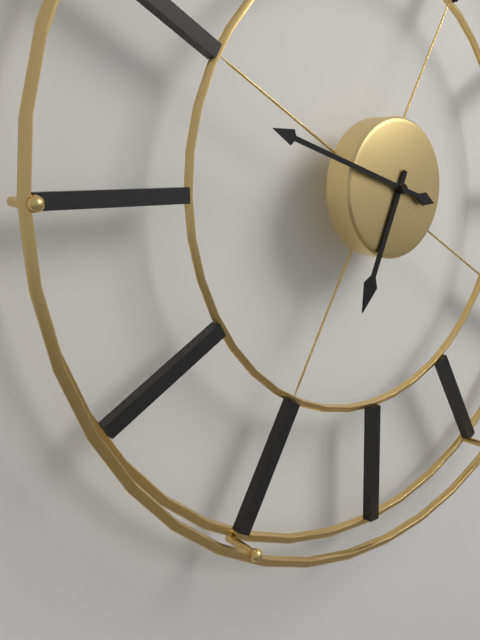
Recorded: 6:48
